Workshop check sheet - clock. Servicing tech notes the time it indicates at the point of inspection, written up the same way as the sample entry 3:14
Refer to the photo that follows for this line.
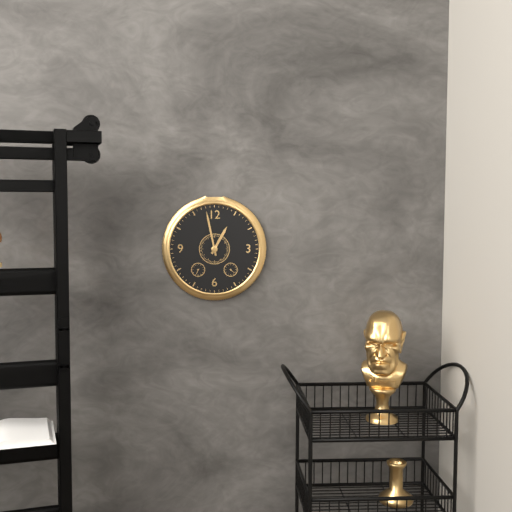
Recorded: 12:58
